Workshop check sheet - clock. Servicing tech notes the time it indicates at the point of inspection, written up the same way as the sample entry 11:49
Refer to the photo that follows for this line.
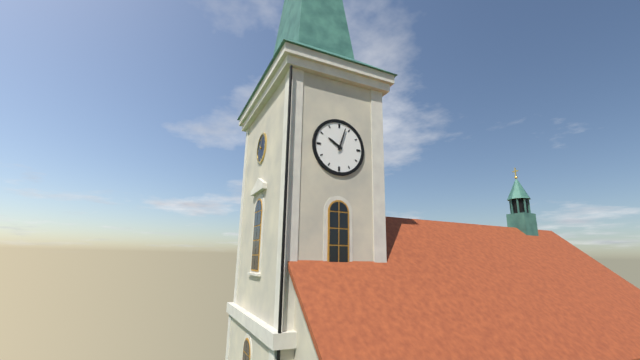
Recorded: 10:03
